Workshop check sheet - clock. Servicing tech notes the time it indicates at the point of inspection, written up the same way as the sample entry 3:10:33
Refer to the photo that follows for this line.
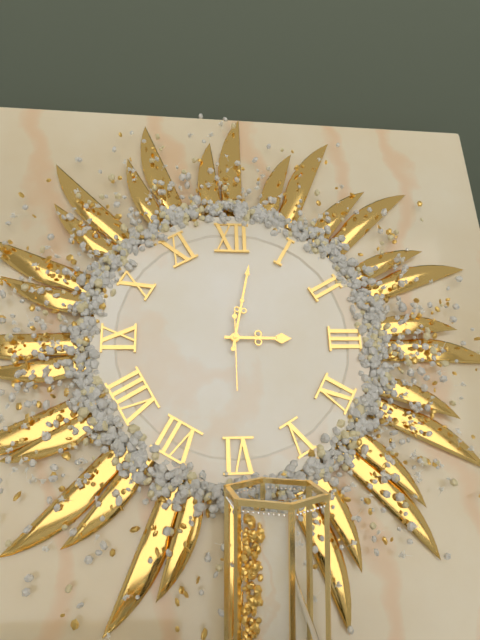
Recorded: 3:02:30
